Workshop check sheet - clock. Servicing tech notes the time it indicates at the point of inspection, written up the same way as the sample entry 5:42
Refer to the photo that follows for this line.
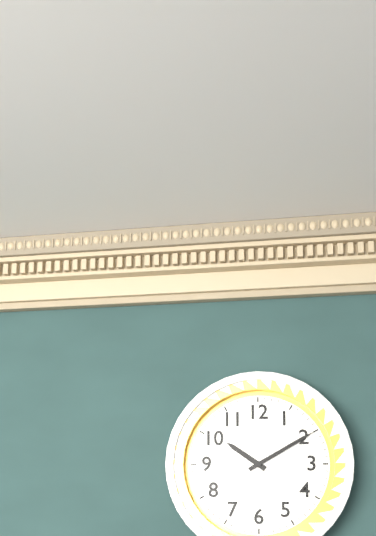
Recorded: 10:10
